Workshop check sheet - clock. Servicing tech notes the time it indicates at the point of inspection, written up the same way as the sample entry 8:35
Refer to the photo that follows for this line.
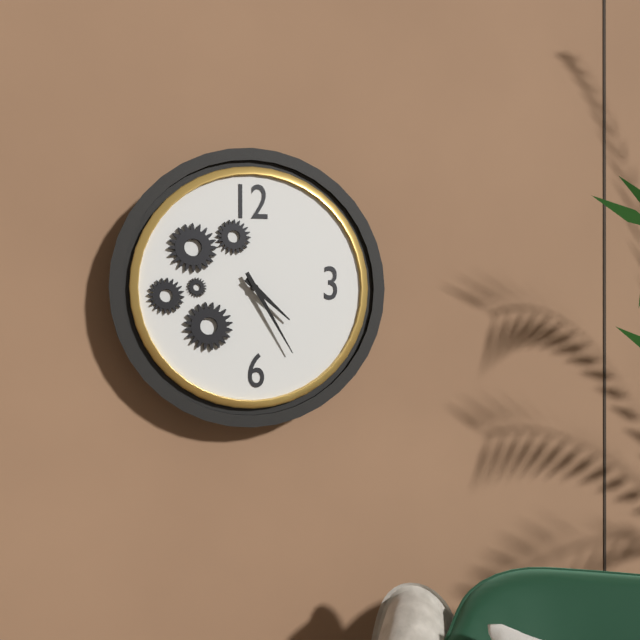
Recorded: 4:25
